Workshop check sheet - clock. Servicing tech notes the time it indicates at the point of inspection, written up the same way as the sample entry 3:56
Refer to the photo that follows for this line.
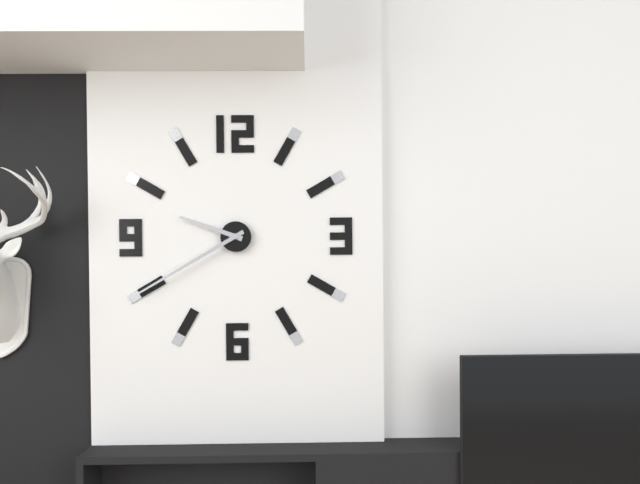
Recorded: 9:40
